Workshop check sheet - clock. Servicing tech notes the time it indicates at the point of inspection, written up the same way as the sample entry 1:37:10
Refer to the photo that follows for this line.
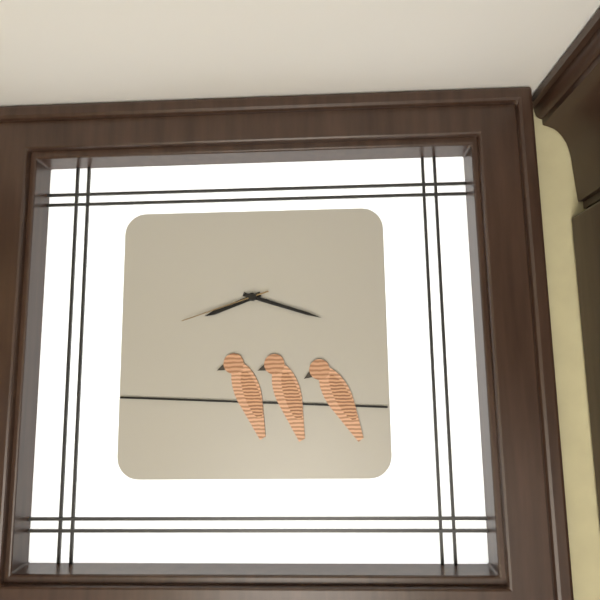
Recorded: 8:18:42
